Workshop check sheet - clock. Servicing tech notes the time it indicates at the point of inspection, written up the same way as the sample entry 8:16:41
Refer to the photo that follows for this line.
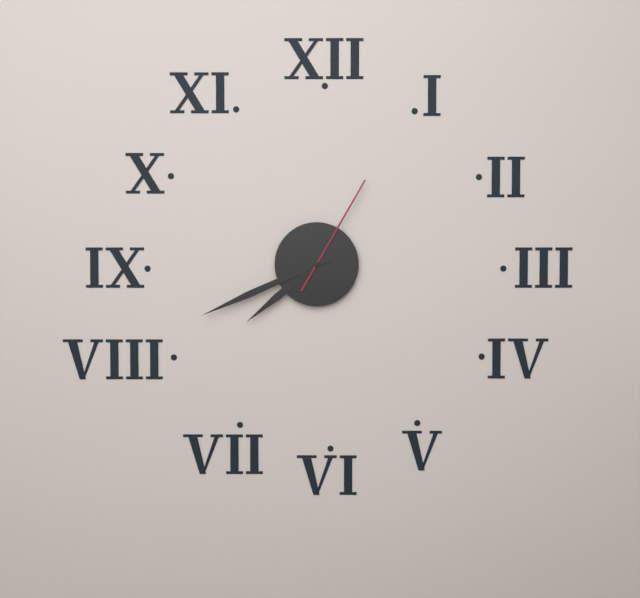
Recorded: 7:41:05
